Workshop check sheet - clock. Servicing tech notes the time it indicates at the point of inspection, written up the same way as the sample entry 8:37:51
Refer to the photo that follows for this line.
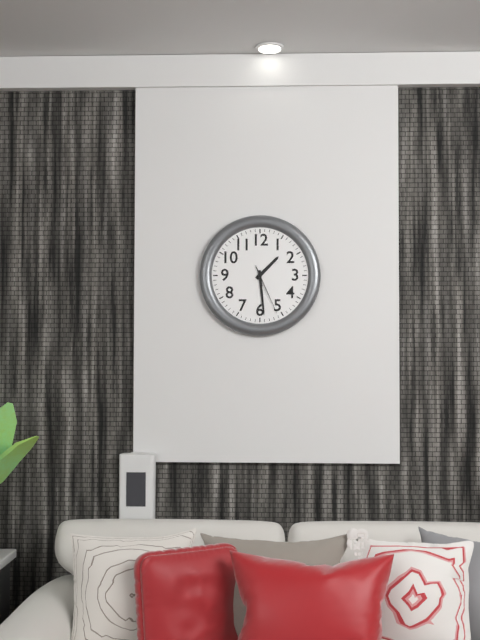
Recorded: 1:29:26
